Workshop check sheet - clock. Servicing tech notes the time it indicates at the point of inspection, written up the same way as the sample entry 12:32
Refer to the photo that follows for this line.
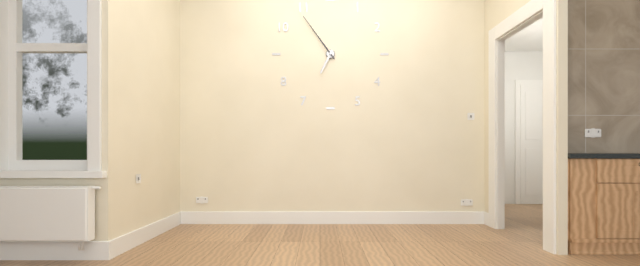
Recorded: 6:54
